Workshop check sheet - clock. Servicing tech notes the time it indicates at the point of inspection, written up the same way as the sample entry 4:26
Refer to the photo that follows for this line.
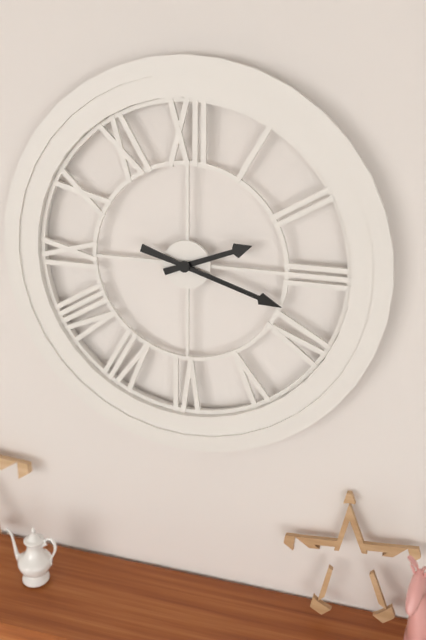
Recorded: 2:18
